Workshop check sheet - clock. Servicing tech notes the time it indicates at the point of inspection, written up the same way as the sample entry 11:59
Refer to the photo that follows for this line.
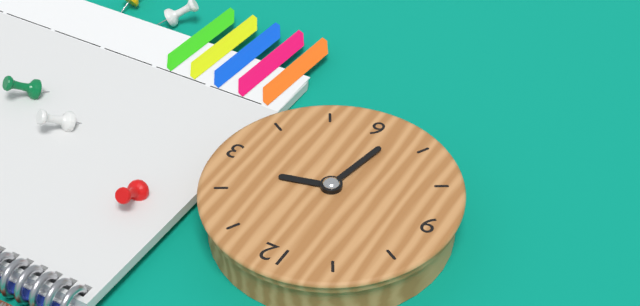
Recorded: 2:32
